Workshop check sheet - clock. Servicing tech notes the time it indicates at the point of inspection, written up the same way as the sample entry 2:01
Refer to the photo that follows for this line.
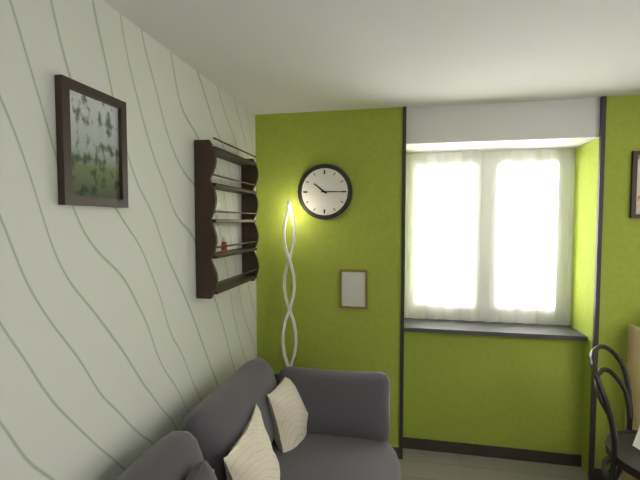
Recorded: 10:15
